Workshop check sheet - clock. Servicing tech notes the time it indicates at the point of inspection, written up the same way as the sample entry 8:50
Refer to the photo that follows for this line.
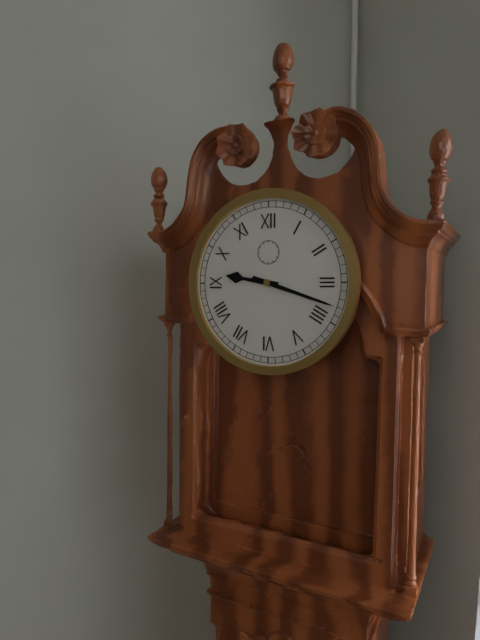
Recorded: 9:18
